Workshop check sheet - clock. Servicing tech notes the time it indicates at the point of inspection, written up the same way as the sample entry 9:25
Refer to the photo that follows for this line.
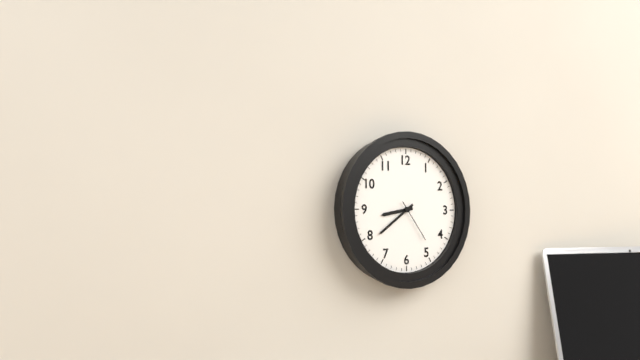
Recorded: 8:39
